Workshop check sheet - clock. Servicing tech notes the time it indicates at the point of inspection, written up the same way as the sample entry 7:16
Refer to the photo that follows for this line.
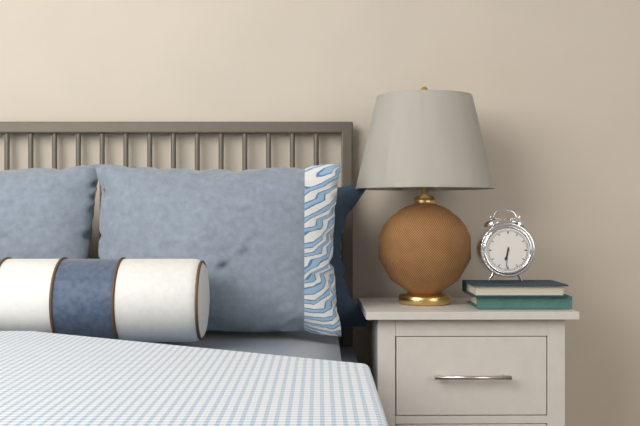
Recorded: 6:31
